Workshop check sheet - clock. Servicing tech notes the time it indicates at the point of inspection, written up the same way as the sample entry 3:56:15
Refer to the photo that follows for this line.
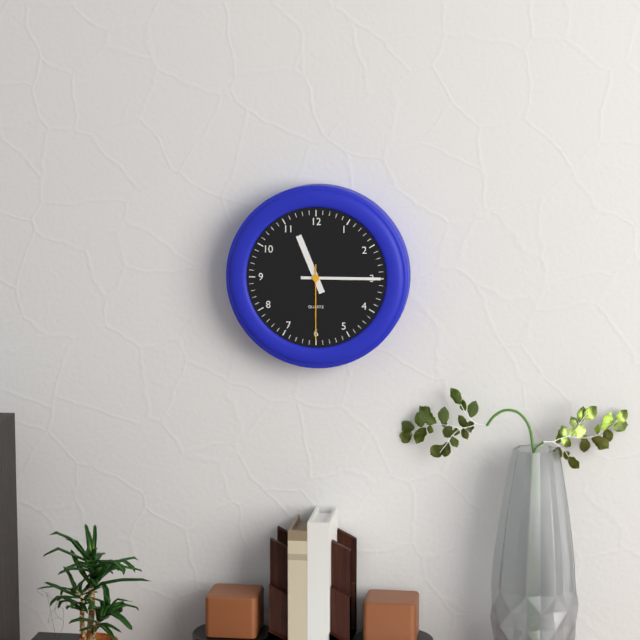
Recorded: 11:15:30
